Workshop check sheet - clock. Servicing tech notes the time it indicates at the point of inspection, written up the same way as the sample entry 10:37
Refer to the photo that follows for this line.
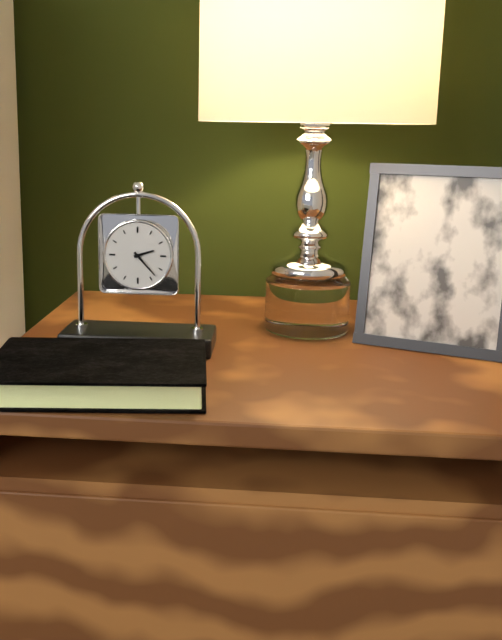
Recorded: 2:23
